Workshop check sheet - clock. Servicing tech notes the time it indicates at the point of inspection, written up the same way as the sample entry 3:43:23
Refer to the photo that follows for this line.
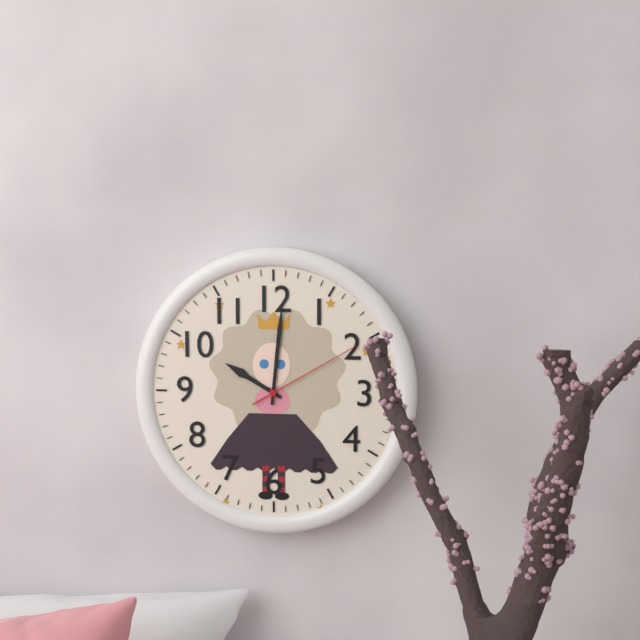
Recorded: 10:01:10
